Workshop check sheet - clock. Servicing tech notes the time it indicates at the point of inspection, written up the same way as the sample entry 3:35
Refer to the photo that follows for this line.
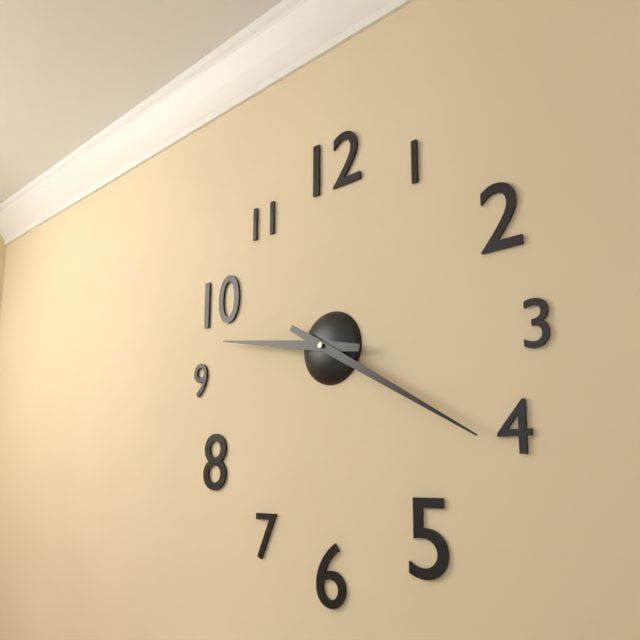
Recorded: 9:20
